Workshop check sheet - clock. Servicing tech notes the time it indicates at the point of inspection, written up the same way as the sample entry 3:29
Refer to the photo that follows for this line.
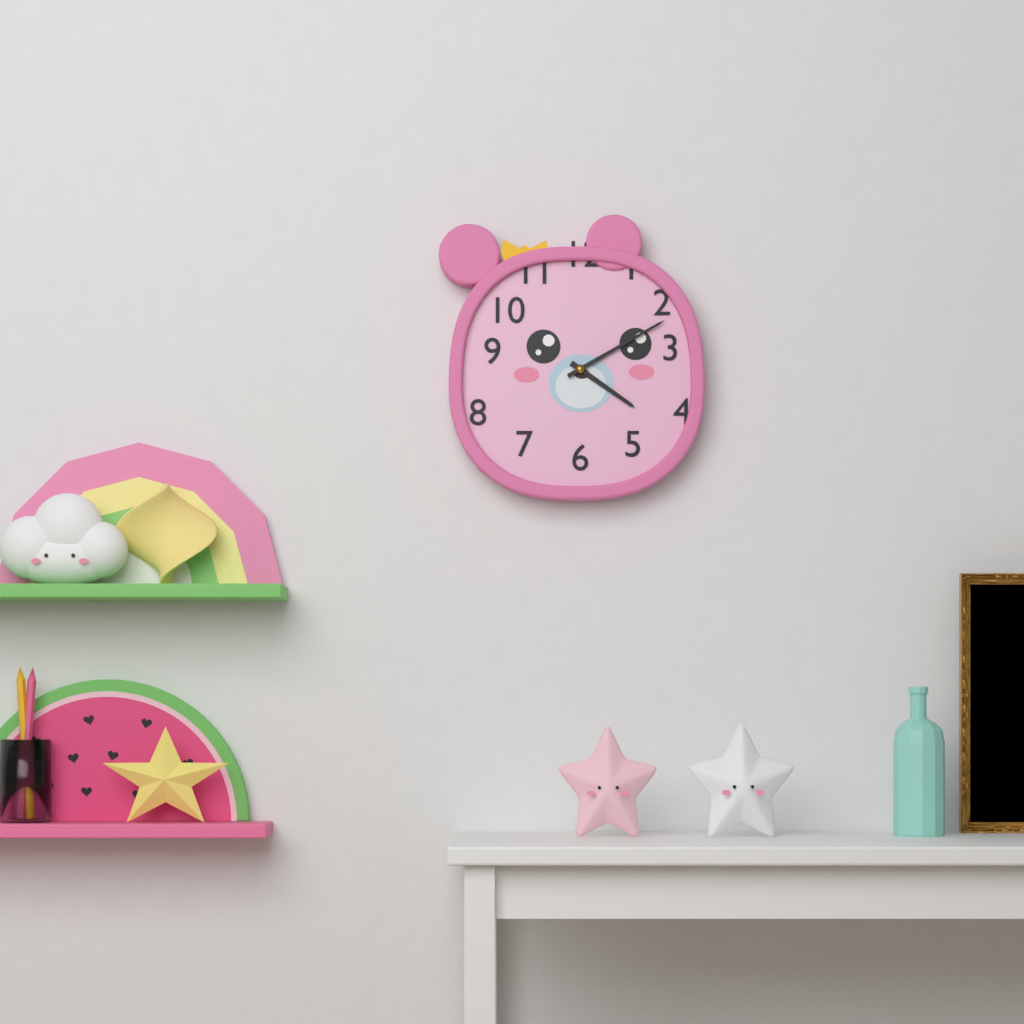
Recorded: 4:10
